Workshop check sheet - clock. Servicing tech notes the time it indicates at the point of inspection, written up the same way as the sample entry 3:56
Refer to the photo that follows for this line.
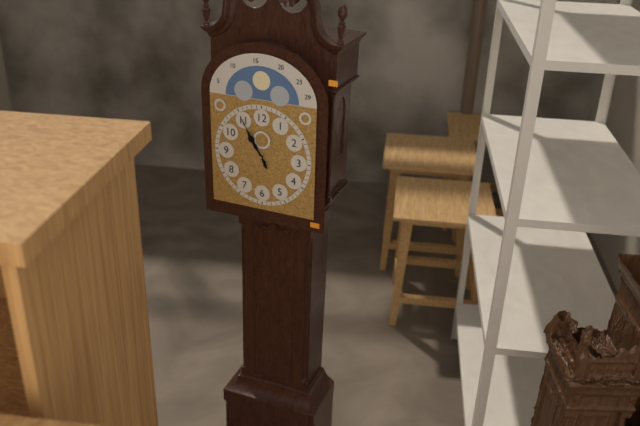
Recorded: 10:55
